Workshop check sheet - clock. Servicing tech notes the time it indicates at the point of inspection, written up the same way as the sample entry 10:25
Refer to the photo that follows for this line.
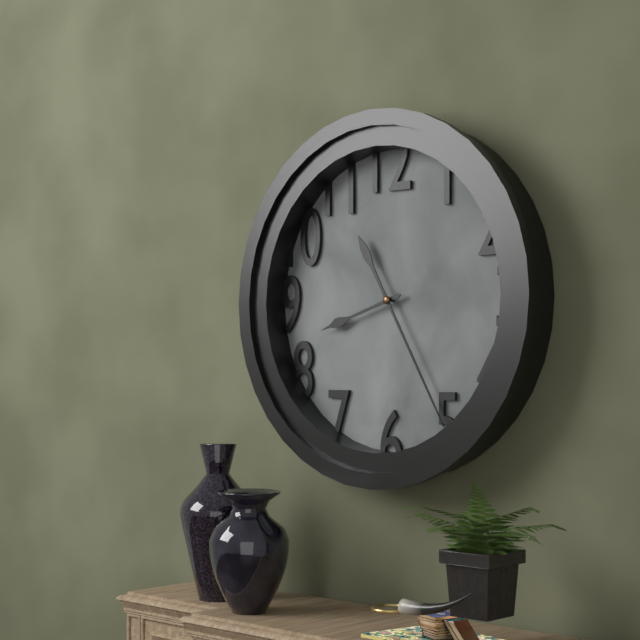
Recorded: 8:25
